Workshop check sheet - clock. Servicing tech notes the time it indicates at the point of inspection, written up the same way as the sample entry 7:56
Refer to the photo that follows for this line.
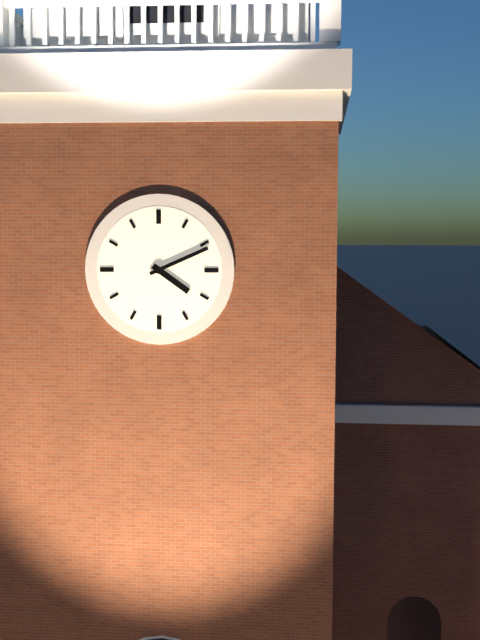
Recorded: 4:11
